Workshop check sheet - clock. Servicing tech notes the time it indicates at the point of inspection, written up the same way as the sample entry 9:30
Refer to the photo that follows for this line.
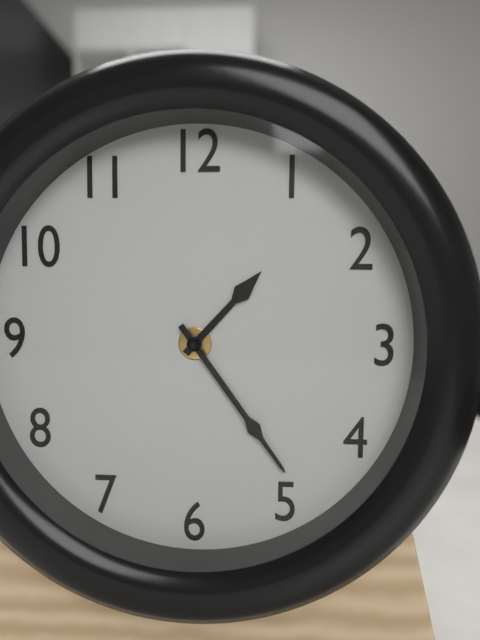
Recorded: 1:24
